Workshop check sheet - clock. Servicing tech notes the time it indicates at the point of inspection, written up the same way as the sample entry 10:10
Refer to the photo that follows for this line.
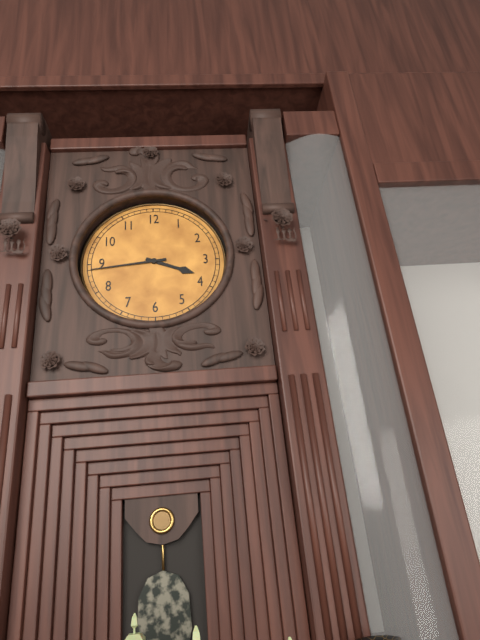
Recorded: 3:44
